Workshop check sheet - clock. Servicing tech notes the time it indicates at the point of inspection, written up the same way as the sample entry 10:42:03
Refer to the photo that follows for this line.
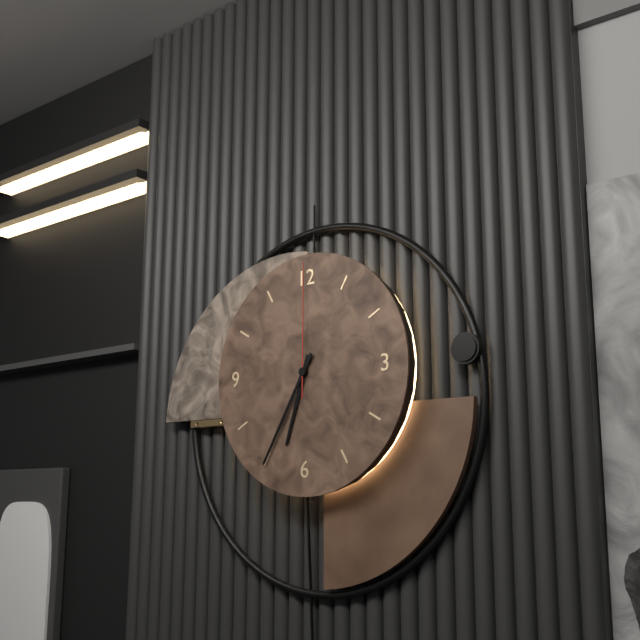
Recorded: 6:35:00
